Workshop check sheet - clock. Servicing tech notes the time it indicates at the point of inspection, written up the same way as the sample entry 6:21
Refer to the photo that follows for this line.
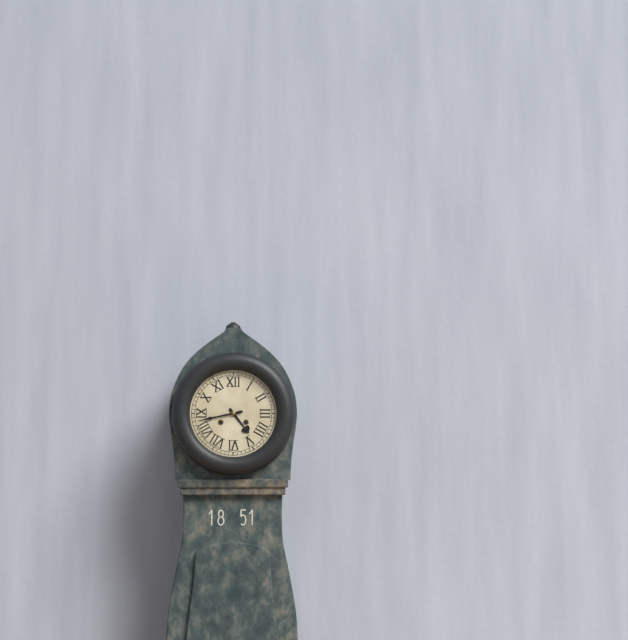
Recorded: 4:43
